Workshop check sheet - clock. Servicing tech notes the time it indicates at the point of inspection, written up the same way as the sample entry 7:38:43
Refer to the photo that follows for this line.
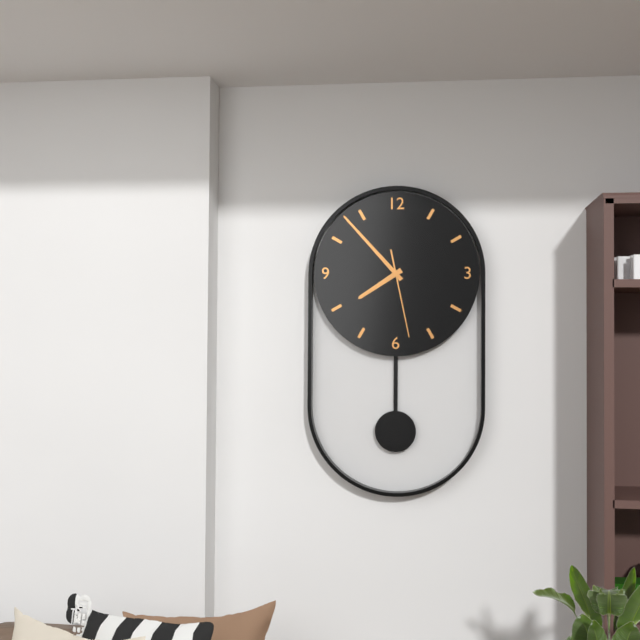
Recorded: 7:53:28
